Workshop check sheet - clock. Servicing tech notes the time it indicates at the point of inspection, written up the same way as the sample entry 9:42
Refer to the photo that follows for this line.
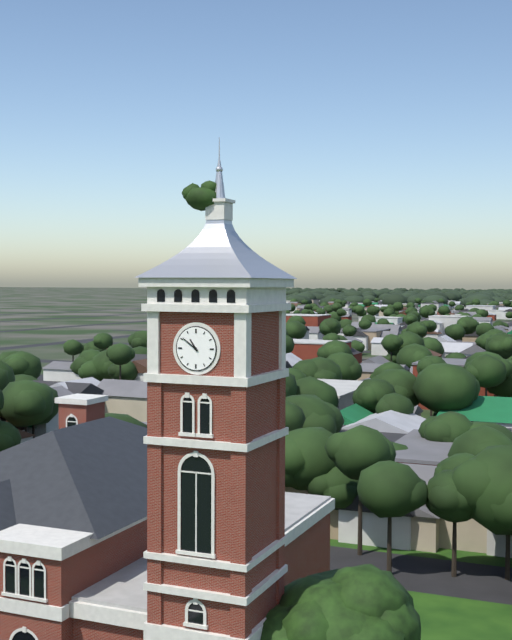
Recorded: 10:51
